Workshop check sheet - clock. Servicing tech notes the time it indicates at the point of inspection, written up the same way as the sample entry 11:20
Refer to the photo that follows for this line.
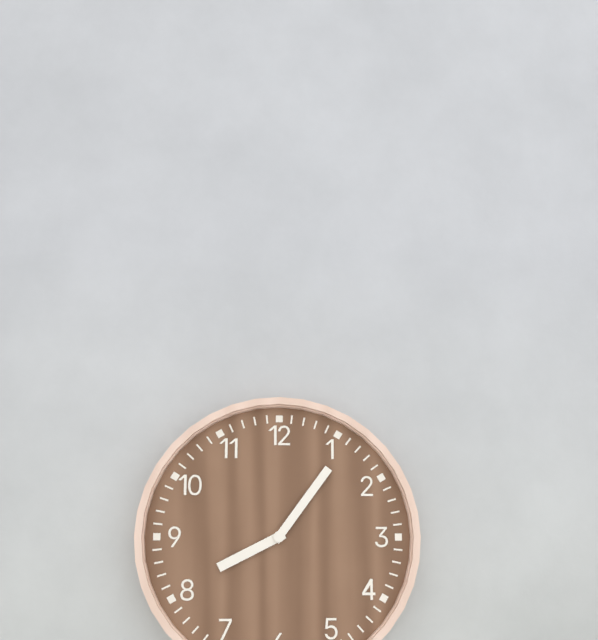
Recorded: 8:06
